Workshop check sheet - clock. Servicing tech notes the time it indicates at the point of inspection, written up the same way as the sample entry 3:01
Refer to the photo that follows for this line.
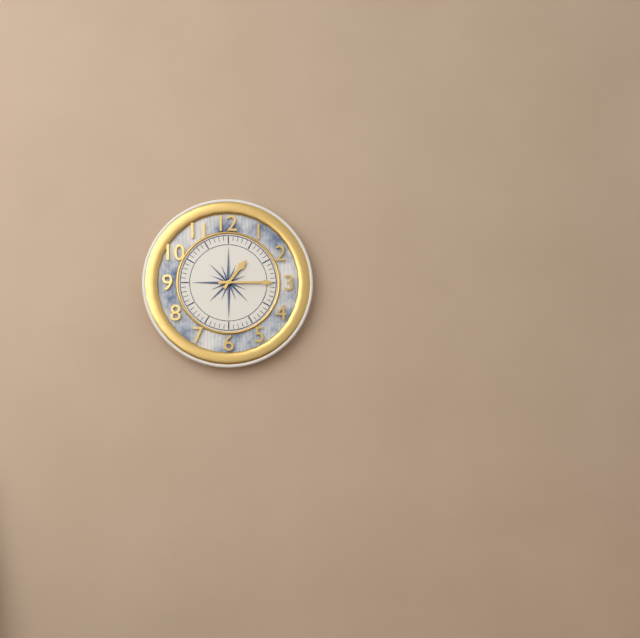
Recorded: 1:15
